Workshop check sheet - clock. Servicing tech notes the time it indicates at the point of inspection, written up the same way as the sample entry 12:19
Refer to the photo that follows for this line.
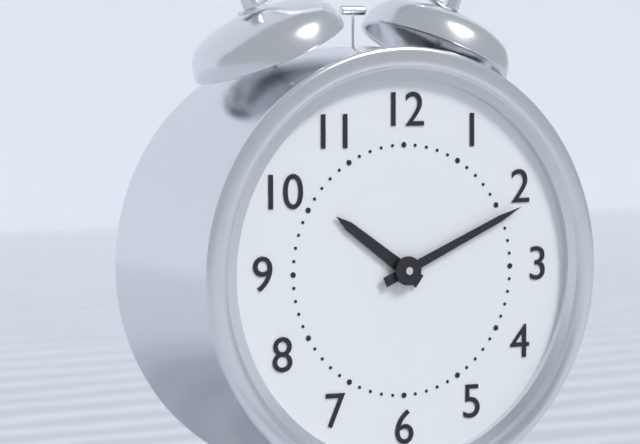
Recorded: 10:11
